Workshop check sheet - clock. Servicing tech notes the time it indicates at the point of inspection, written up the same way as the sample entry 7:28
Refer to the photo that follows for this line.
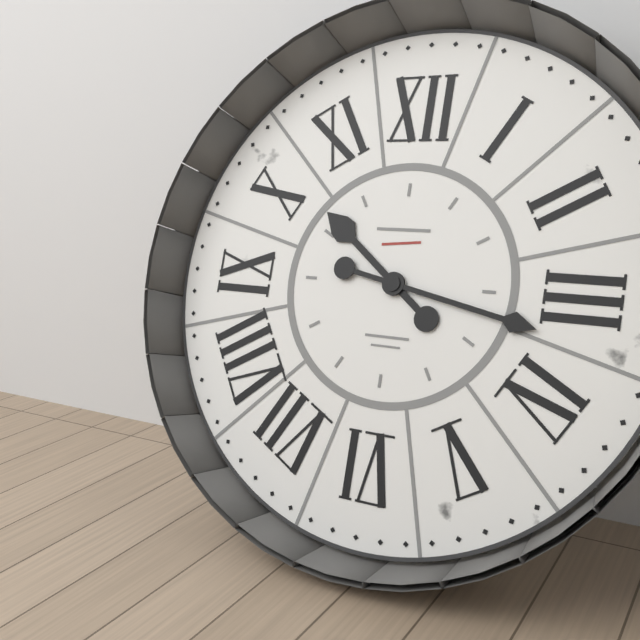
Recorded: 10:17
